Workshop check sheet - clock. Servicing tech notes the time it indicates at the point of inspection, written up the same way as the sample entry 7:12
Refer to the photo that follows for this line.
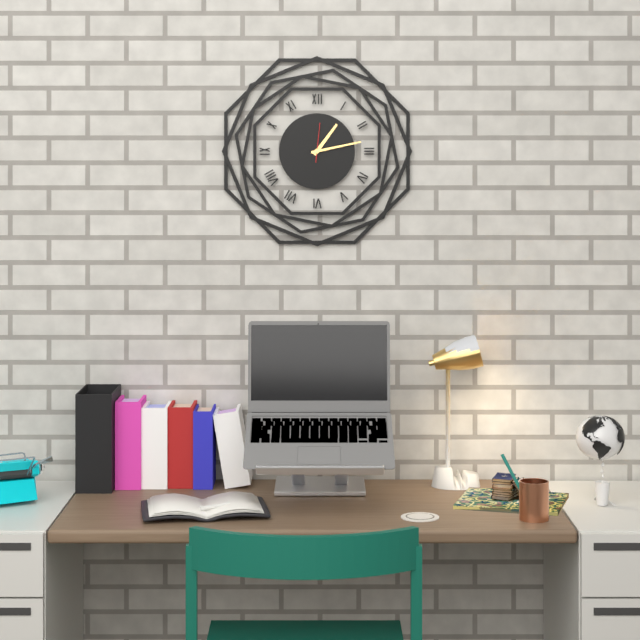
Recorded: 1:13
